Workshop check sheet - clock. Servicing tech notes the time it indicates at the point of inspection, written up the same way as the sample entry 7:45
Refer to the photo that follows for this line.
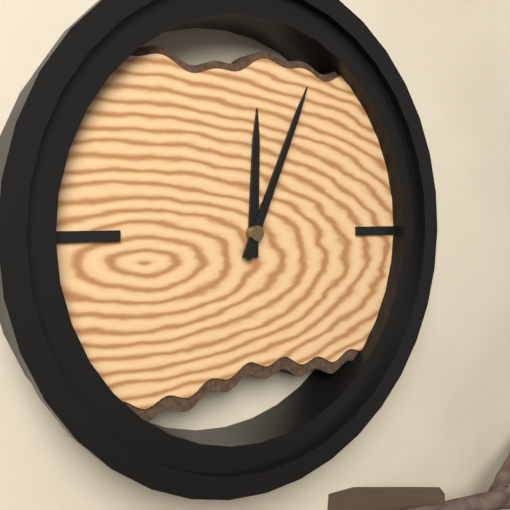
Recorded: 12:04
